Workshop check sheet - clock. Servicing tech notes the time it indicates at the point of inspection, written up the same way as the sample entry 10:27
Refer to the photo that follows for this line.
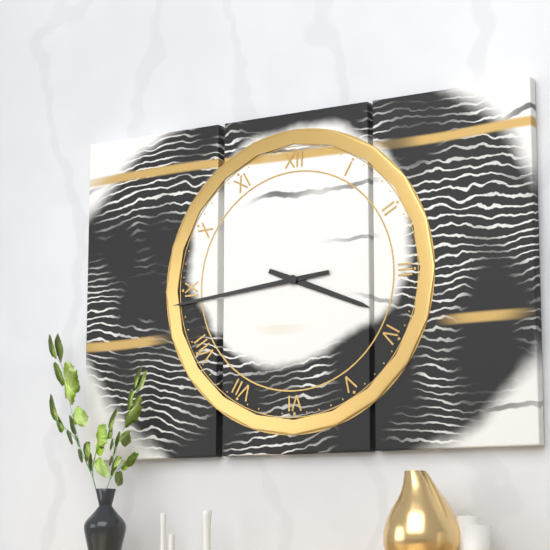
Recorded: 3:44
